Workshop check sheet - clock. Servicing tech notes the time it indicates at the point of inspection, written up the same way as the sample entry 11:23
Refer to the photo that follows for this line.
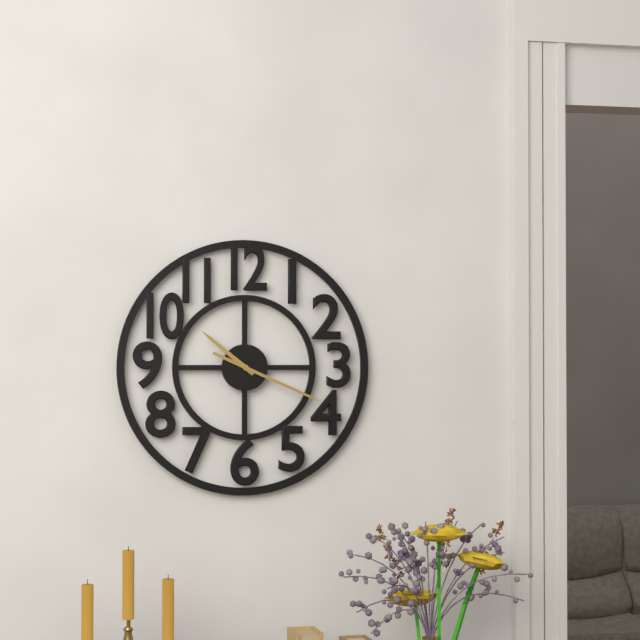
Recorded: 10:19
